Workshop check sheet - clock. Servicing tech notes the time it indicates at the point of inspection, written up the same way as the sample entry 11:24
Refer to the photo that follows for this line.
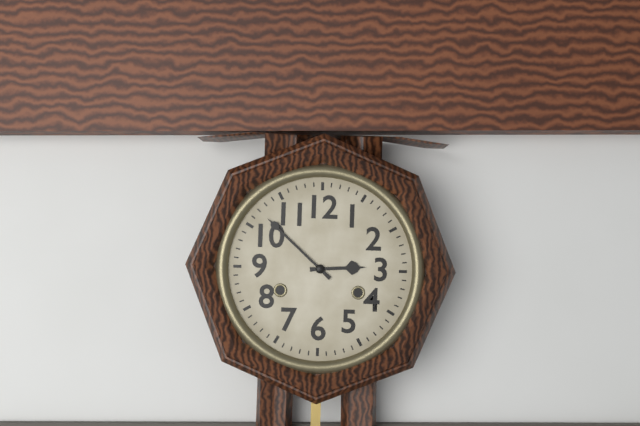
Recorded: 2:52
